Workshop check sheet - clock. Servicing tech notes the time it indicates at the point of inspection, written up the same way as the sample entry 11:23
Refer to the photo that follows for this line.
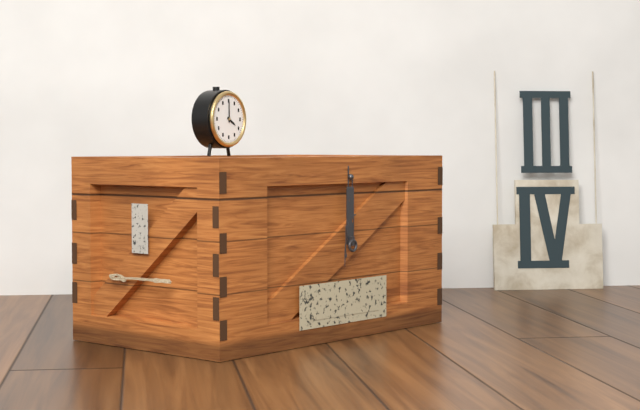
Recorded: 4:00
